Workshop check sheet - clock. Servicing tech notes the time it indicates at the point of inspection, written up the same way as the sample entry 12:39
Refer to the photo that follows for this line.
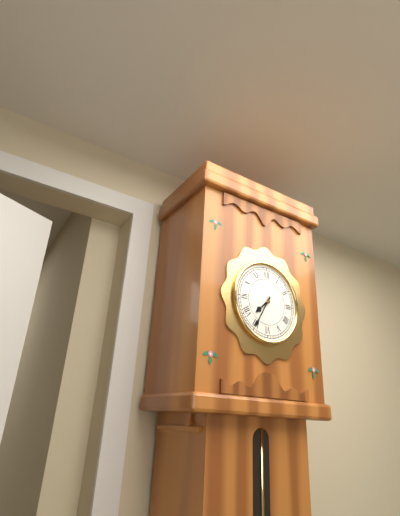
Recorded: 7:35
